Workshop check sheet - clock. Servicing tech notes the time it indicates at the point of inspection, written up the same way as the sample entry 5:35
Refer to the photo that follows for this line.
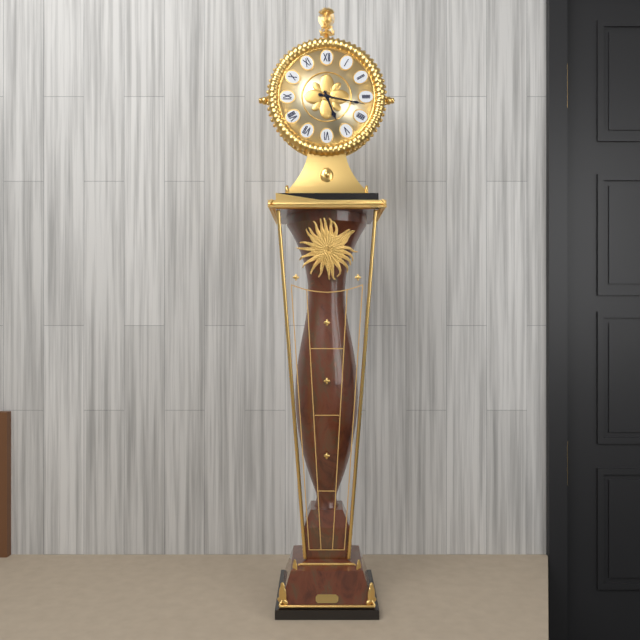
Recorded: 5:17
